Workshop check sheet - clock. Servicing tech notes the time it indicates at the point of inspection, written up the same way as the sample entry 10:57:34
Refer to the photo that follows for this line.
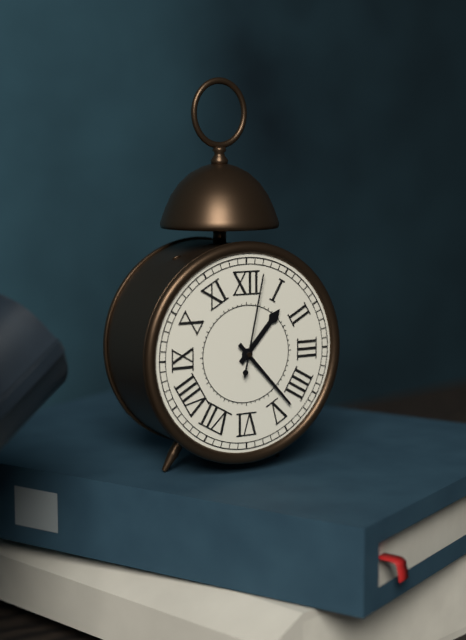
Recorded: 1:23:02
